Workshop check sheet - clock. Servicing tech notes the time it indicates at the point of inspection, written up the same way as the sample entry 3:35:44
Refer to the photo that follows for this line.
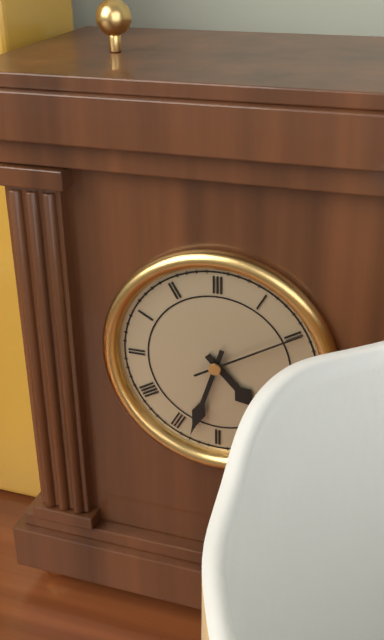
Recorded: 4:33:10
